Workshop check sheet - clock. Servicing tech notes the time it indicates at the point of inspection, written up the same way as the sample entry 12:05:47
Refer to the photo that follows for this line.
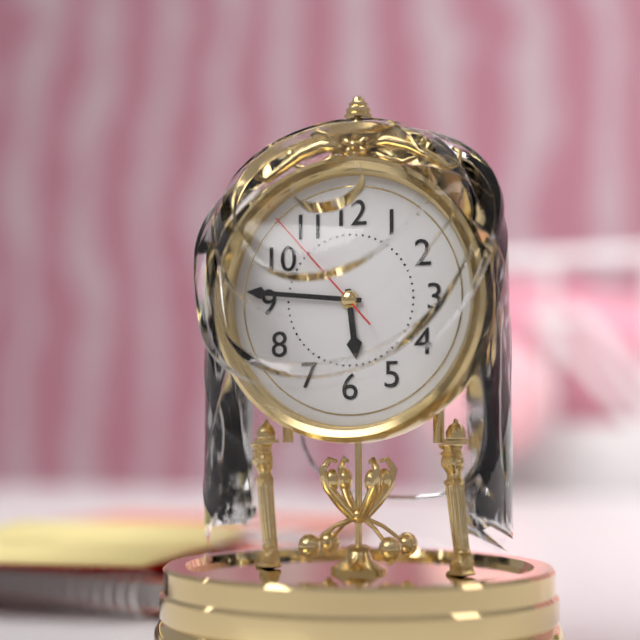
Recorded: 5:46:53
